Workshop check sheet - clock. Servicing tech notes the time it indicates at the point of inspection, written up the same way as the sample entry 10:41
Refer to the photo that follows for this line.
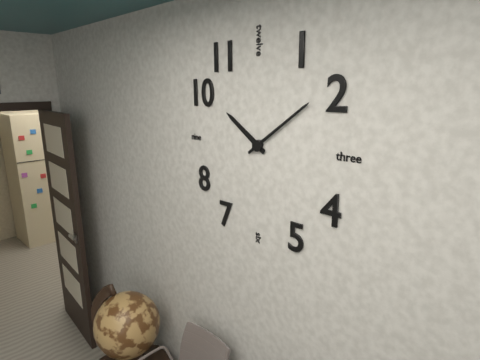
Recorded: 10:09
